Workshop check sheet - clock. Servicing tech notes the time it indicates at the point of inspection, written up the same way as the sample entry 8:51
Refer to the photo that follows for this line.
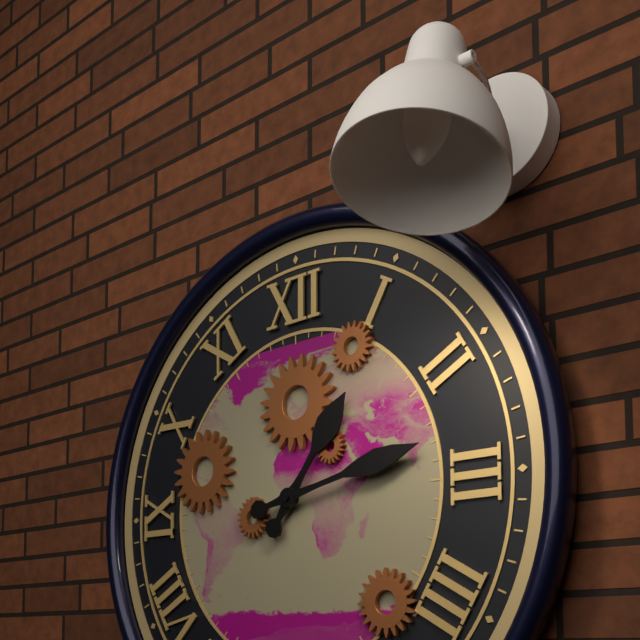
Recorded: 1:13
